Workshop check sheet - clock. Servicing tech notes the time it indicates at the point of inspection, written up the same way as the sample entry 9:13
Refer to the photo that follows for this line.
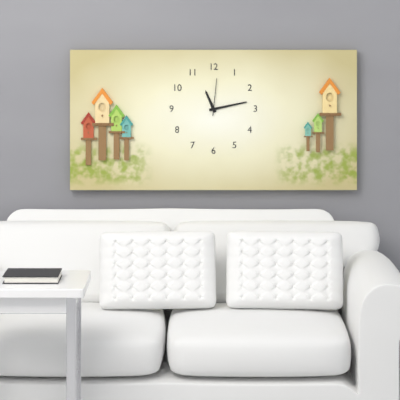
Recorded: 11:13
